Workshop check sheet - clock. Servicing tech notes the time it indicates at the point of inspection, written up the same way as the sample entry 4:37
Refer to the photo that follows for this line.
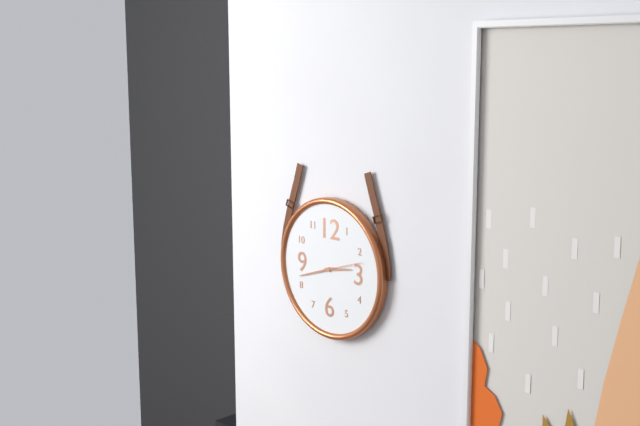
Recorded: 2:42
